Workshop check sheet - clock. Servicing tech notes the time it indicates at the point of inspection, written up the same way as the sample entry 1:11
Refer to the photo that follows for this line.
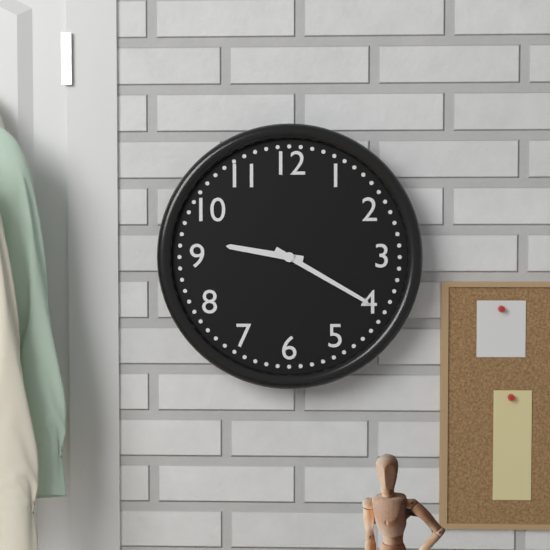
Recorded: 9:20
